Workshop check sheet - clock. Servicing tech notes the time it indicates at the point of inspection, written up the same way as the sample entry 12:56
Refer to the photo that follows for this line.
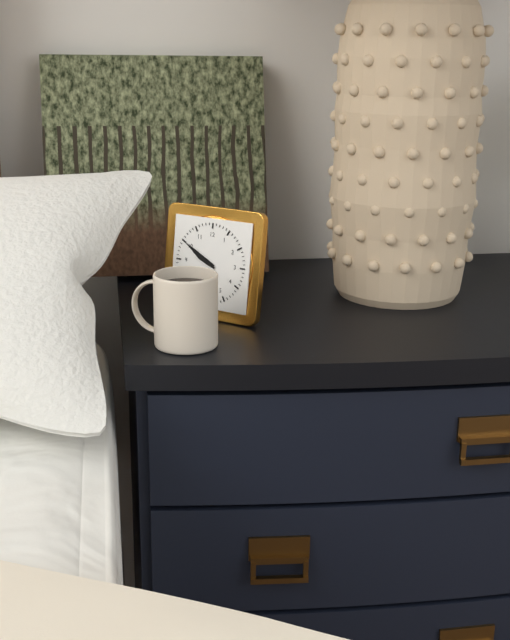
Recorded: 9:50
